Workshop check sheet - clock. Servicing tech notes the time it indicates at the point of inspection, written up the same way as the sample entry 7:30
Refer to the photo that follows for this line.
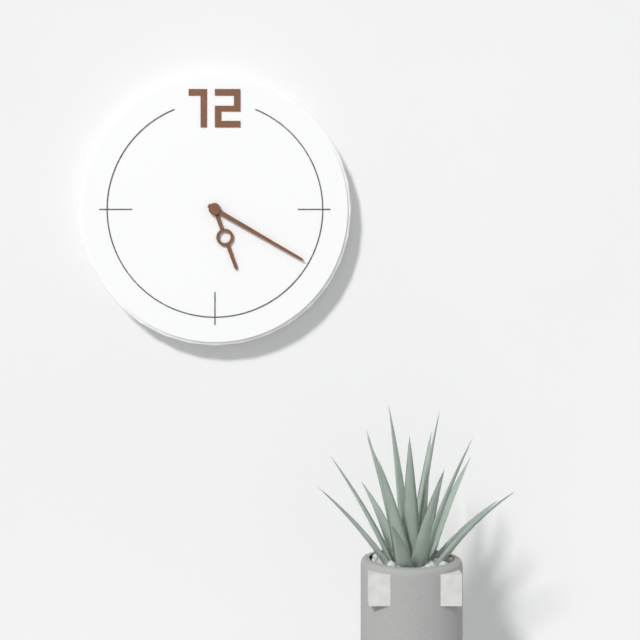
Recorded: 5:20
